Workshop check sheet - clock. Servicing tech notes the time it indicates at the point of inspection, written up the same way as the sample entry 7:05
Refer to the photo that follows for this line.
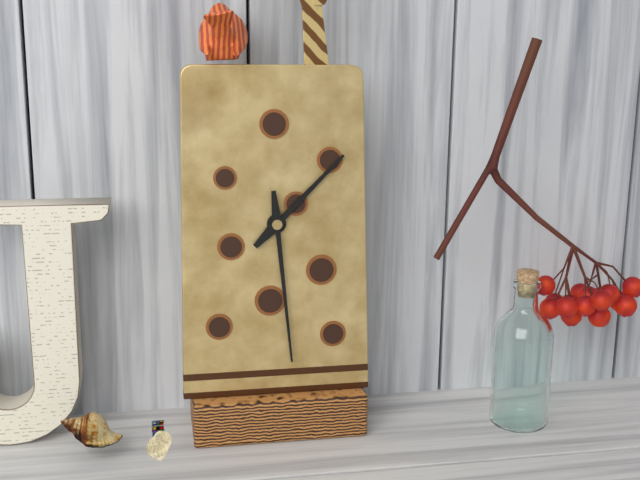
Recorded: 1:29
